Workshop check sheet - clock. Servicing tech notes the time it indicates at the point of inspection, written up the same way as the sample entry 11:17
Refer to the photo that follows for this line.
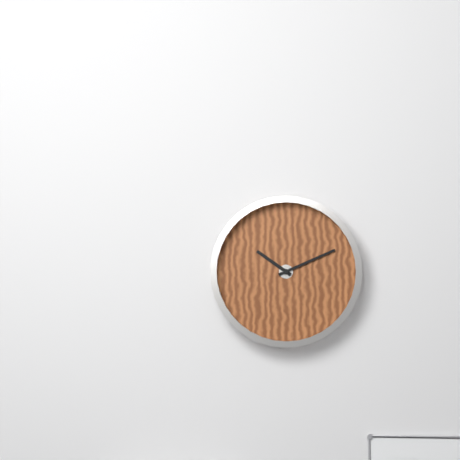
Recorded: 10:11
